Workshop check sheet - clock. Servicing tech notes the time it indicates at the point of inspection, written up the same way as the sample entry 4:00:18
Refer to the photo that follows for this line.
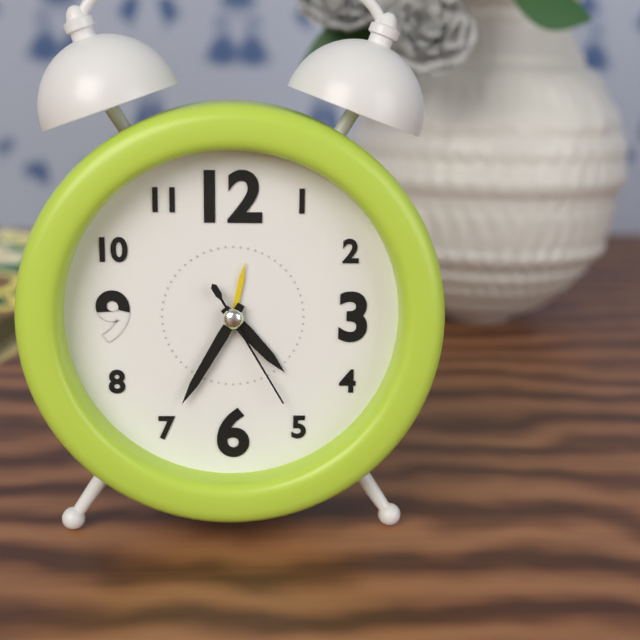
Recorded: 4:35:25
